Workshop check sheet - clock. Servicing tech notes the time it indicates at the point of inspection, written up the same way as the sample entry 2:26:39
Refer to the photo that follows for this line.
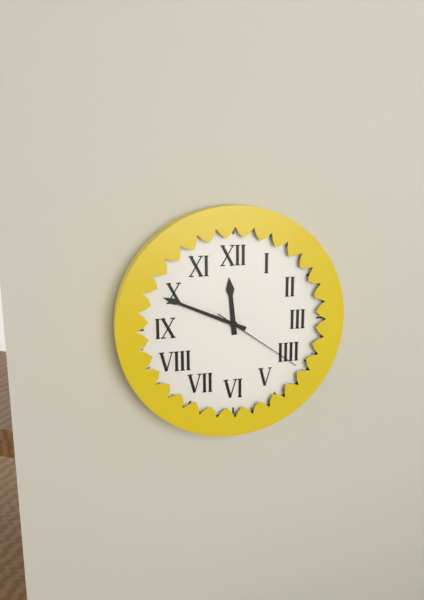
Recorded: 11:49:21
